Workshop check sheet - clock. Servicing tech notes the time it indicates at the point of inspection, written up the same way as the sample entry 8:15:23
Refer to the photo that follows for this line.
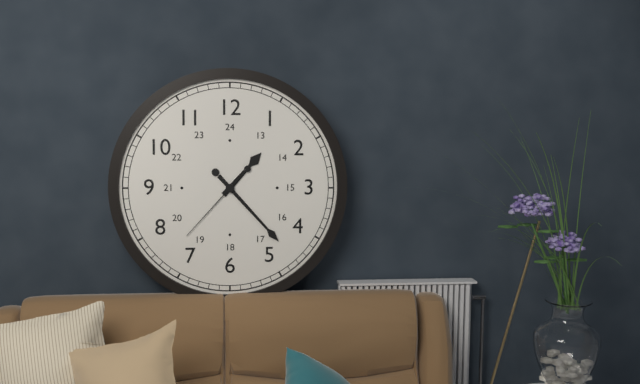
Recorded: 1:23:37
